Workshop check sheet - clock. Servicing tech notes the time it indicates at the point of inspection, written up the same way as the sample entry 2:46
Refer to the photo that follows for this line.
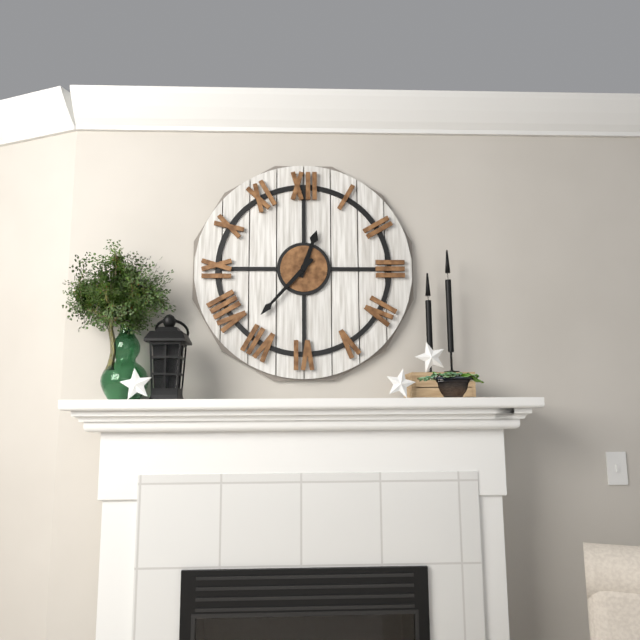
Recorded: 12:37
